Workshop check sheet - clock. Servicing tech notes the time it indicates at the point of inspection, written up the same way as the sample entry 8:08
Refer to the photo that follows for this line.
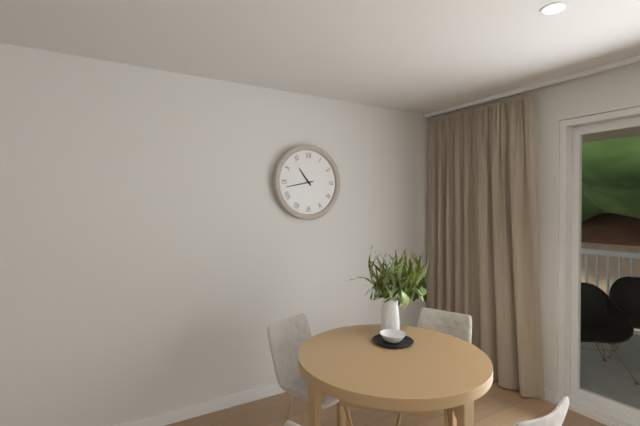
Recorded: 10:43
